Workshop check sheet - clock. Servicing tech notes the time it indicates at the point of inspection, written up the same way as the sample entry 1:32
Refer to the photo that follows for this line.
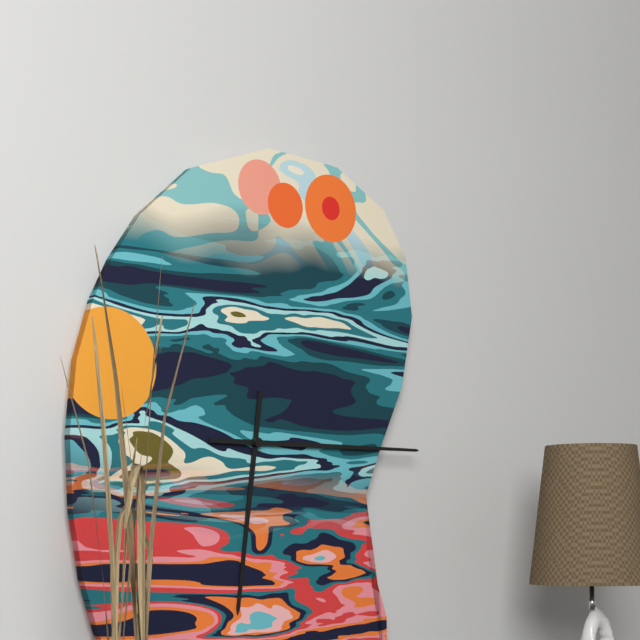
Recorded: 6:15
